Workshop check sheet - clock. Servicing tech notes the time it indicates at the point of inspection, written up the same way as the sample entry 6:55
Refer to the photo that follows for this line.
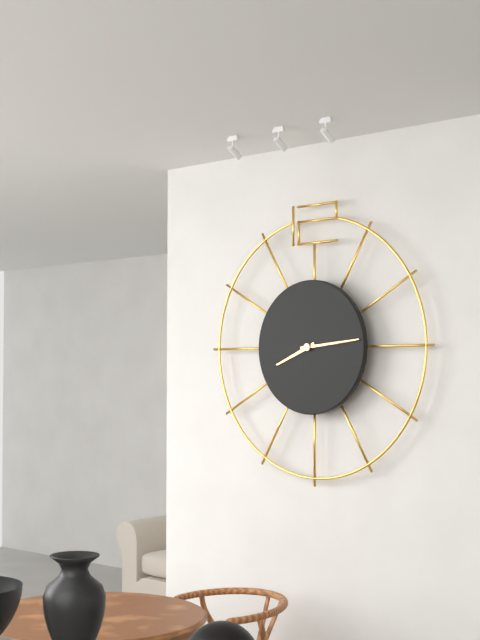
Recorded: 8:14
